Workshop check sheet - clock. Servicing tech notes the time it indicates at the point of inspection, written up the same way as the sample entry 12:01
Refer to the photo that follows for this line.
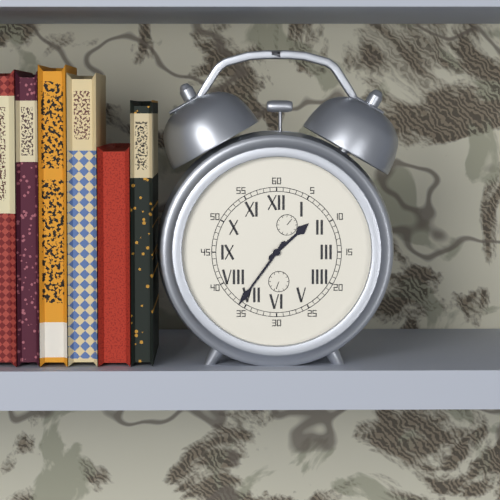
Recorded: 1:36
